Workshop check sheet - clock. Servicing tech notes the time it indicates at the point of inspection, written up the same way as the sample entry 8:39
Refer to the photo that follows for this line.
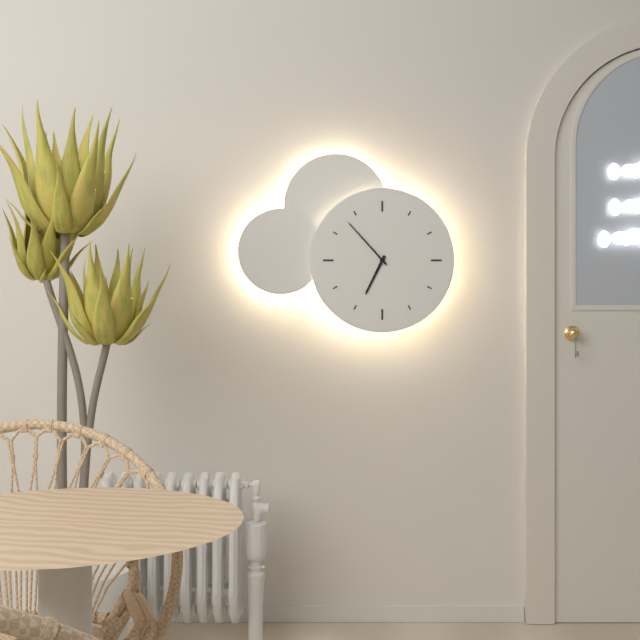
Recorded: 6:53
